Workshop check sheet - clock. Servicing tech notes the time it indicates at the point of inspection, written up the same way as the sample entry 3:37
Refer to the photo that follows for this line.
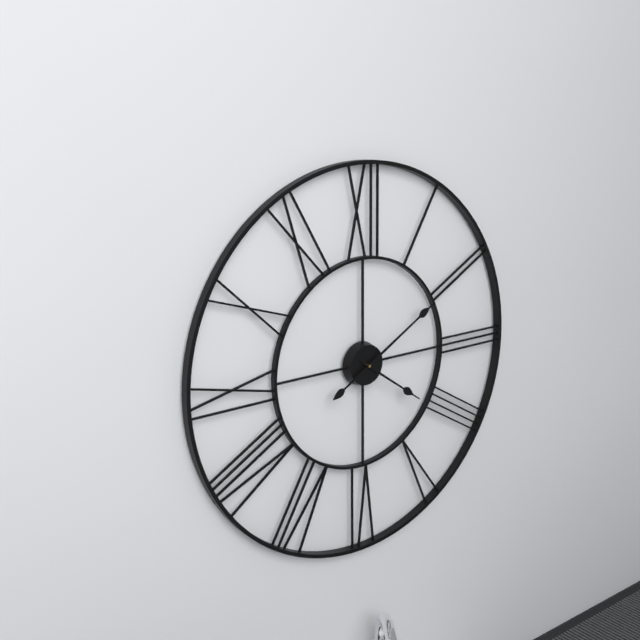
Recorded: 4:10
